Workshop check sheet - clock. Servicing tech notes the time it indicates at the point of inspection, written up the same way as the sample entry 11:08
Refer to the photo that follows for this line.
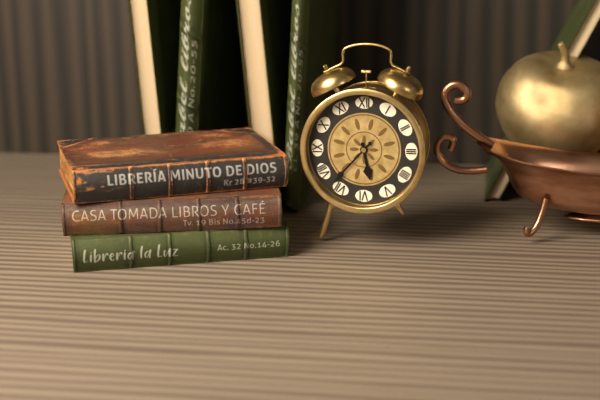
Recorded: 5:37
